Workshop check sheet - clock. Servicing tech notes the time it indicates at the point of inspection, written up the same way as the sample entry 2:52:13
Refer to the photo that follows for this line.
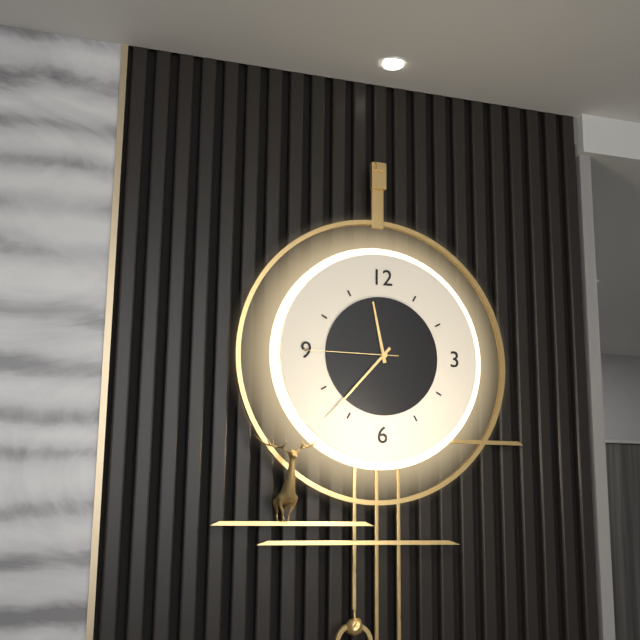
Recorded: 11:37:45
